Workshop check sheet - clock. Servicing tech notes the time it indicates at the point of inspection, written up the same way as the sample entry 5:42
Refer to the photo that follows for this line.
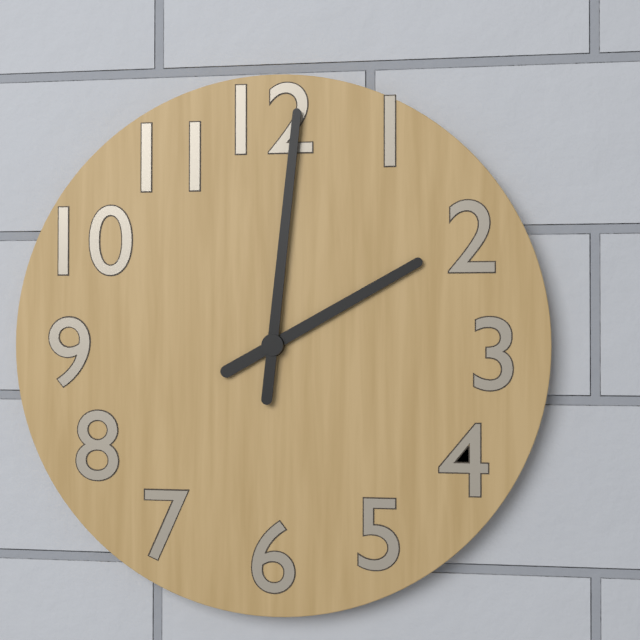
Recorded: 2:01
